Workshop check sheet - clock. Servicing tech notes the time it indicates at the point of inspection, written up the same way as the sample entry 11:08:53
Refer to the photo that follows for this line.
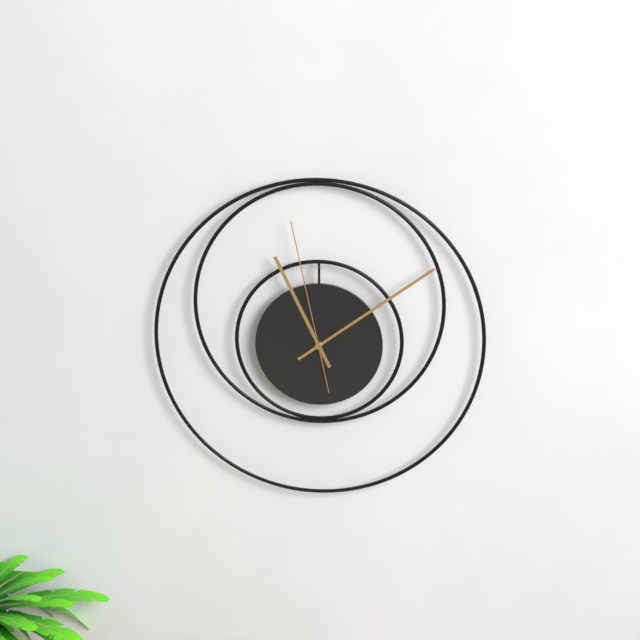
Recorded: 11:09:58
